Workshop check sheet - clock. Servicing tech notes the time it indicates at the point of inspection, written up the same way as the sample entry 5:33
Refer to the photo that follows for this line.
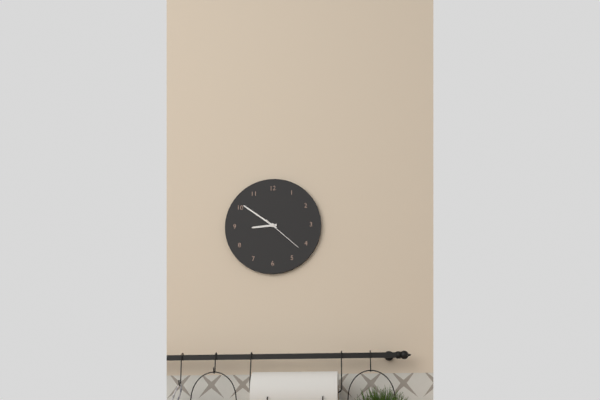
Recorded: 8:51
